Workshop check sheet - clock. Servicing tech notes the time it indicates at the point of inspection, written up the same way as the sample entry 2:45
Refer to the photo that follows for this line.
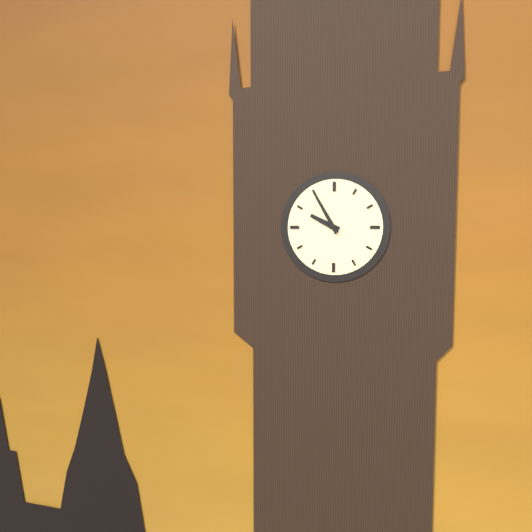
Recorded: 9:55
